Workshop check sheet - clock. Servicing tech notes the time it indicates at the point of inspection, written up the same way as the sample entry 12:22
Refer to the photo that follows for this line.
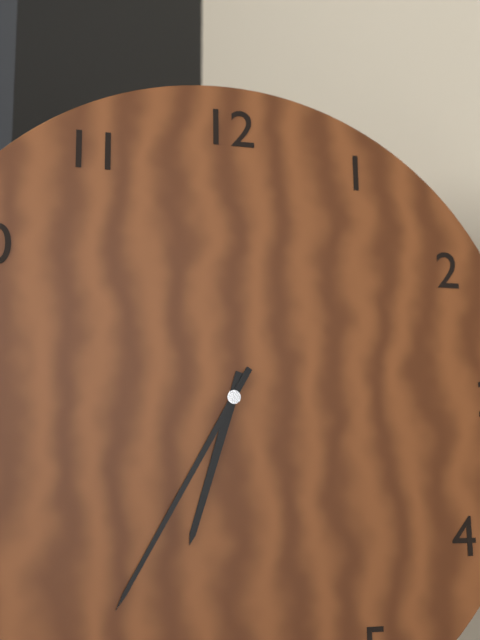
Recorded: 6:35
